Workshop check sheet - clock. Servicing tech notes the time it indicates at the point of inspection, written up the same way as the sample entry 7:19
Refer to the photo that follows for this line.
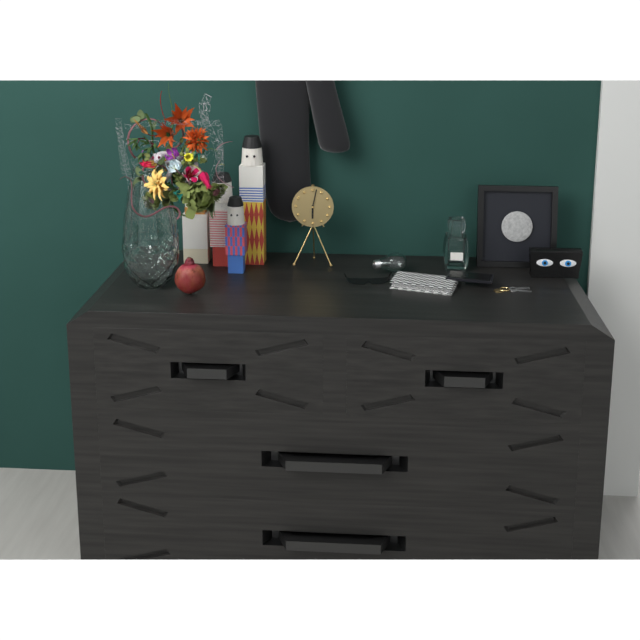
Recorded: 6:02
